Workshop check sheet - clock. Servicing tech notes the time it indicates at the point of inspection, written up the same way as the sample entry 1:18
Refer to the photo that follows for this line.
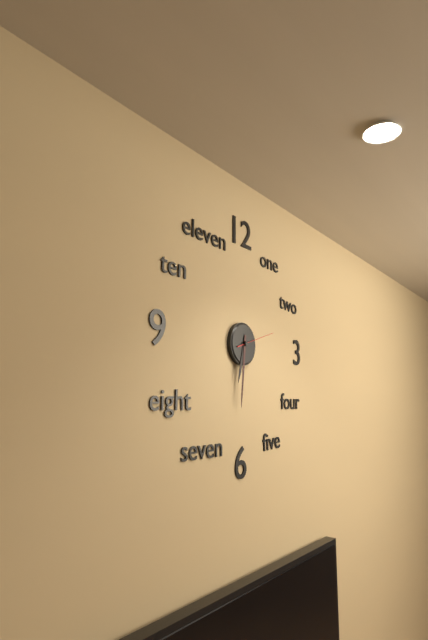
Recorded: 6:31
